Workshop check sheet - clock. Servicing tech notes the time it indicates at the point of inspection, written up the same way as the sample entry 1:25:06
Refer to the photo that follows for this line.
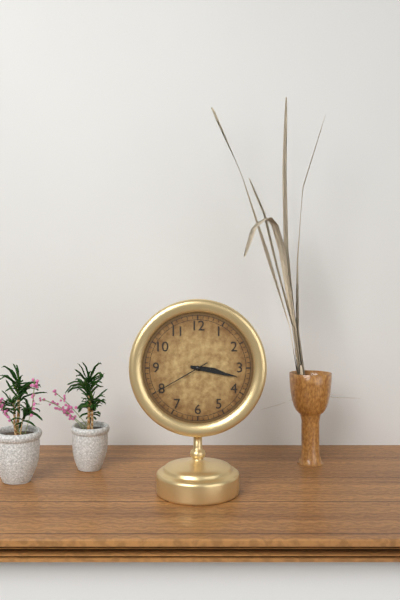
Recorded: 3:17:40
